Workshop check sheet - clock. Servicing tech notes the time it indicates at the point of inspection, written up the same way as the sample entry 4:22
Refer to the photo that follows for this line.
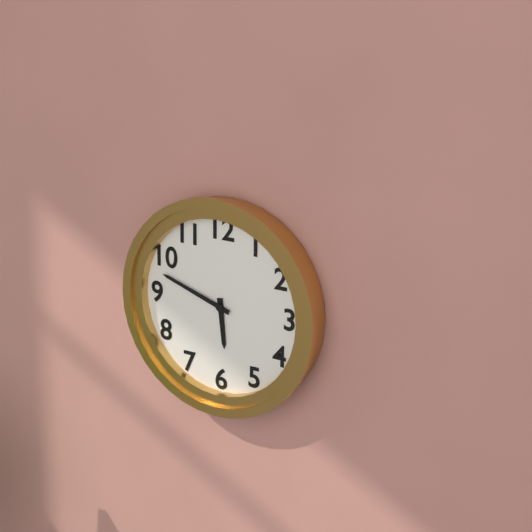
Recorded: 5:48
